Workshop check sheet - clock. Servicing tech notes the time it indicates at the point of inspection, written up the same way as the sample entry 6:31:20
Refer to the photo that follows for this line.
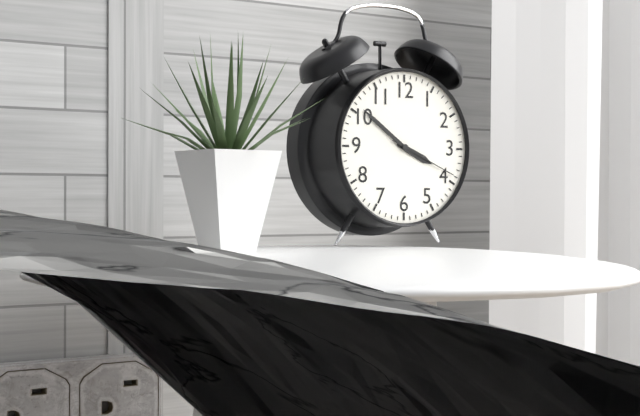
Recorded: 3:51:19
